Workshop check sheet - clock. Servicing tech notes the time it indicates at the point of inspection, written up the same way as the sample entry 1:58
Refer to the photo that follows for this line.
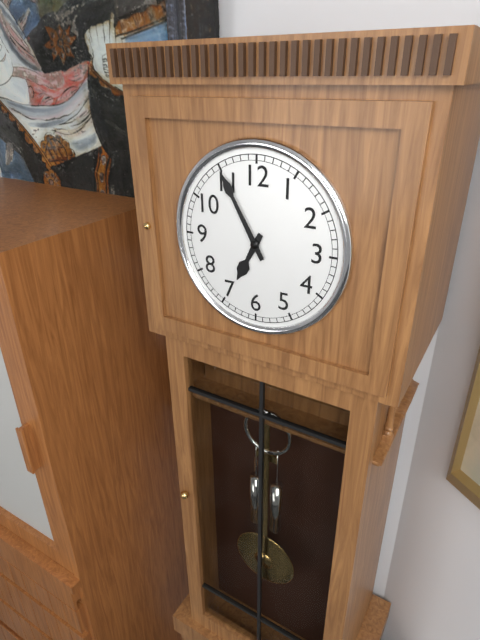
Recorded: 6:55
